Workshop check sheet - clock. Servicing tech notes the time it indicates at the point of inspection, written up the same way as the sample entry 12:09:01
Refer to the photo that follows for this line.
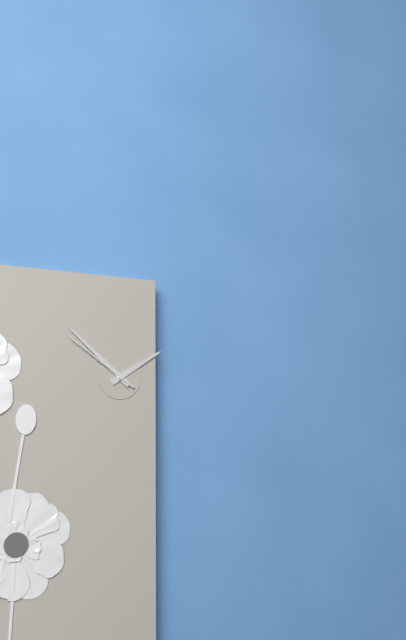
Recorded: 1:52:51
